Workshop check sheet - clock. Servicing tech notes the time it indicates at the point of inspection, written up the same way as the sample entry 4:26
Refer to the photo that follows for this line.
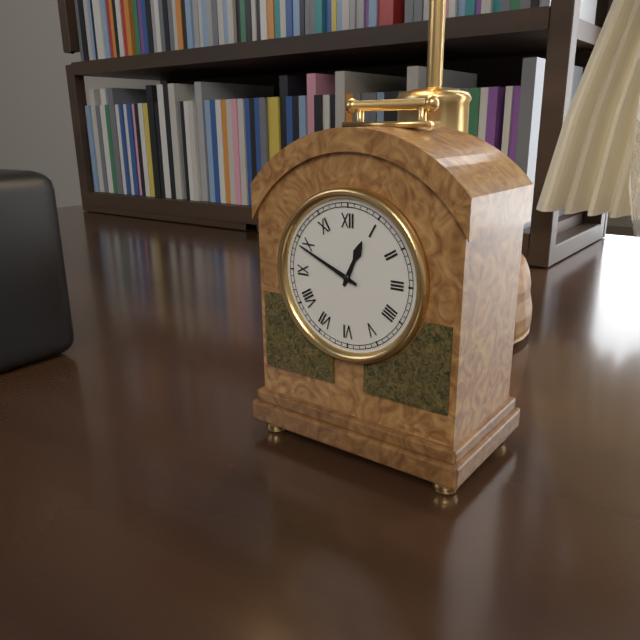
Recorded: 12:49
